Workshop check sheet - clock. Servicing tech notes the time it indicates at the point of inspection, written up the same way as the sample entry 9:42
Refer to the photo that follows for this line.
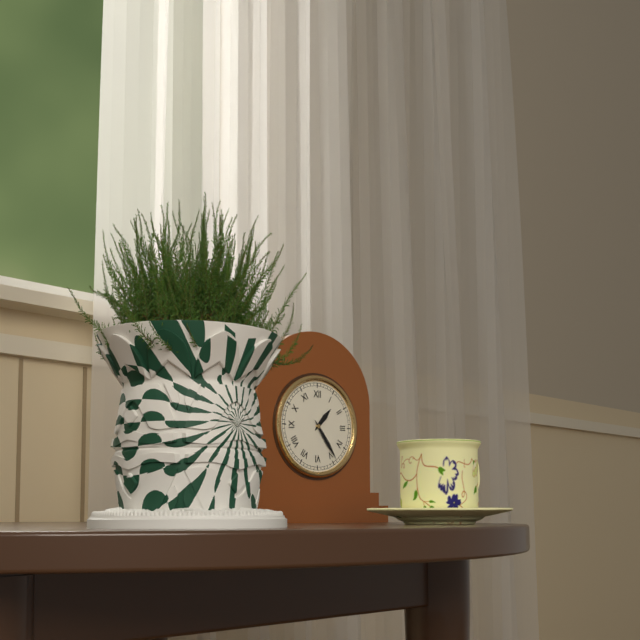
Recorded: 1:24
